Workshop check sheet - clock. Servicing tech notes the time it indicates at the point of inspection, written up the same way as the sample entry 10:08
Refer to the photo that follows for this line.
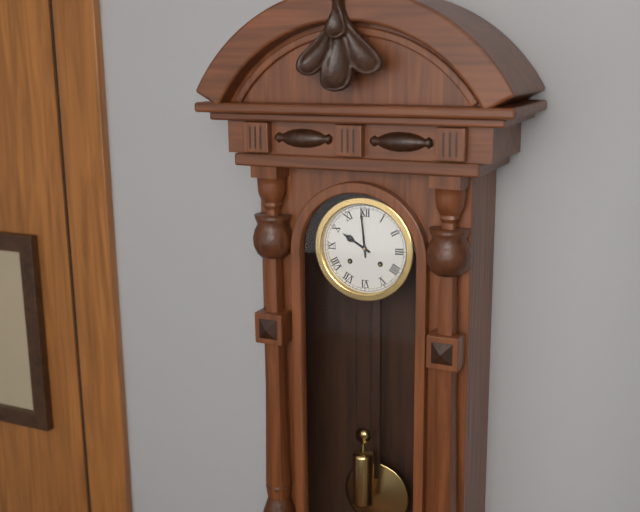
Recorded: 9:59
